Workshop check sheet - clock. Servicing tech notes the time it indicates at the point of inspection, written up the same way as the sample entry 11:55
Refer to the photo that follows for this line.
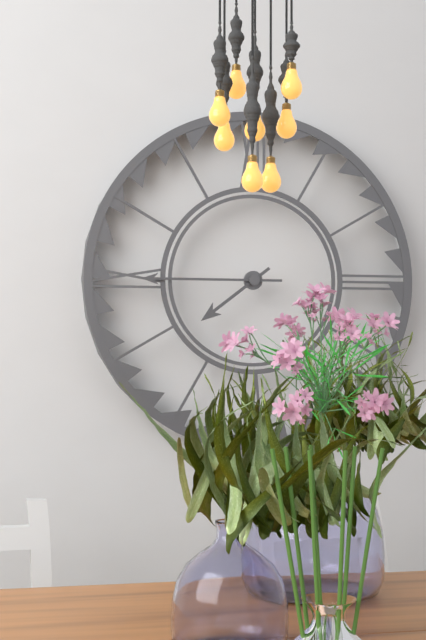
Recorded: 7:45
